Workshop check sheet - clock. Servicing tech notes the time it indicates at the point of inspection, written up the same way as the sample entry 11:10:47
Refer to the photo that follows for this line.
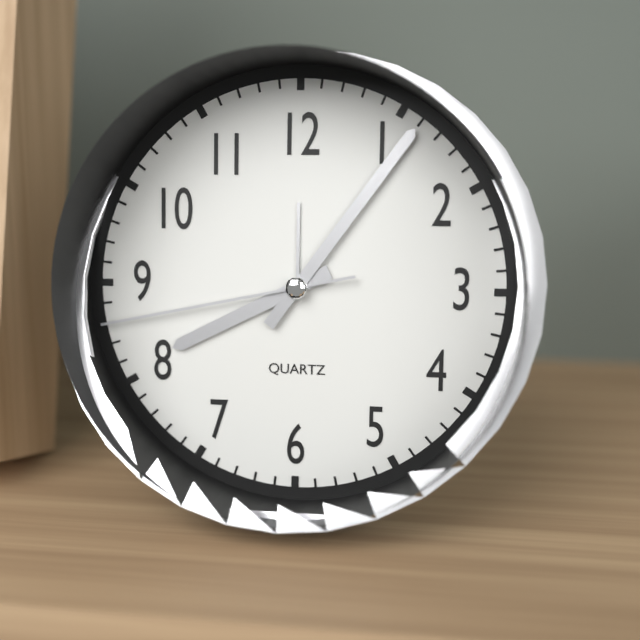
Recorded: 8:06:43
